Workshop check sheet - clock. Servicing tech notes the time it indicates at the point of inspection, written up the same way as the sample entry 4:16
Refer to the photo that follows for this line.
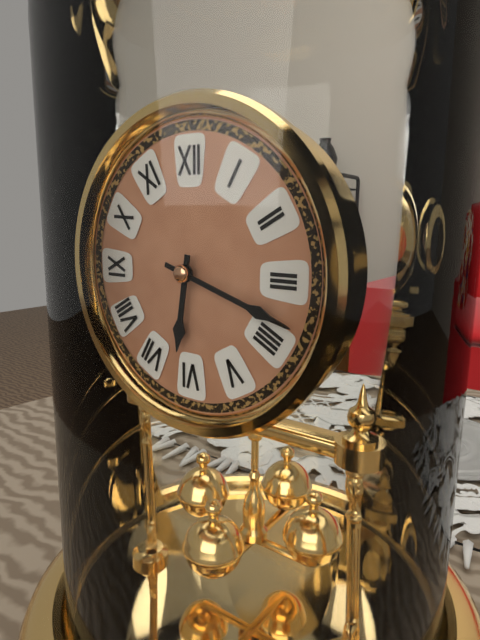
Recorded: 6:18
